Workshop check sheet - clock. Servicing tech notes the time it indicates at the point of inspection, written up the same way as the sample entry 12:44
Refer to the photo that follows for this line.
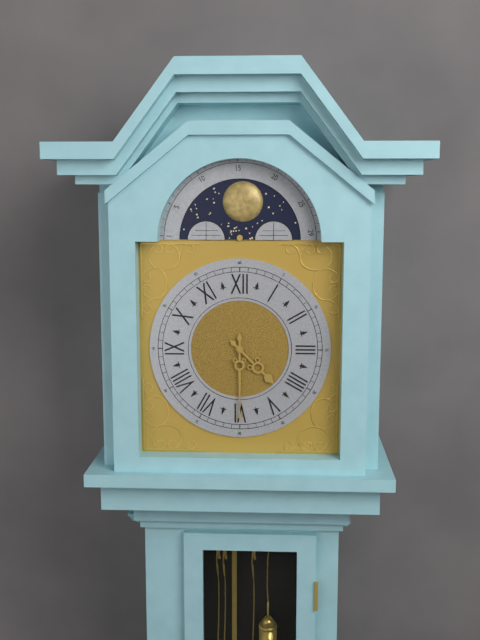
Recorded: 4:30
